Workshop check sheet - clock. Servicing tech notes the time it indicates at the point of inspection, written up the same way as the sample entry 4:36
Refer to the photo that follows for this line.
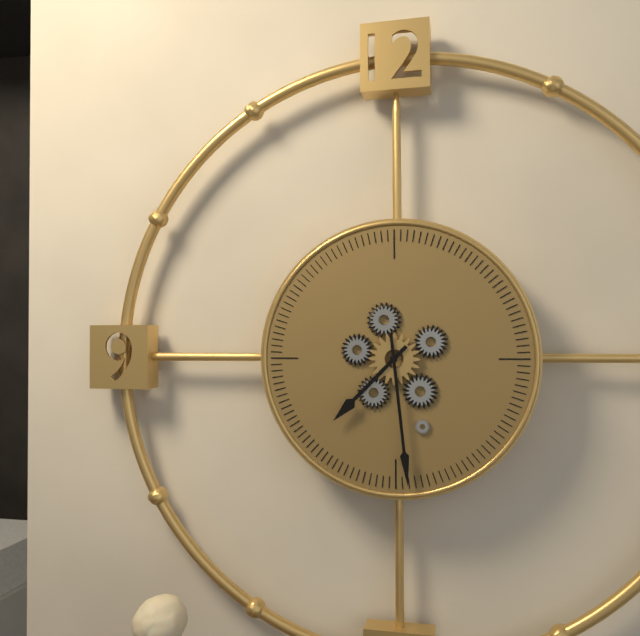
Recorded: 7:29
